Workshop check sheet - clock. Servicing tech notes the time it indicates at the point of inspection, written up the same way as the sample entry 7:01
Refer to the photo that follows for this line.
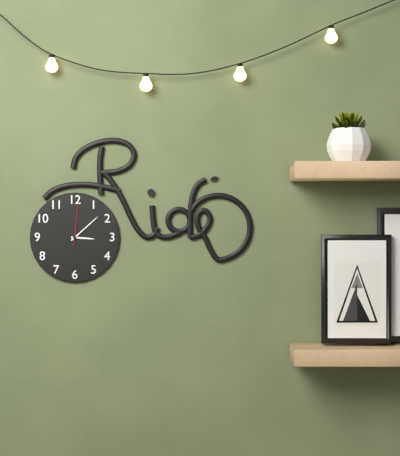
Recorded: 3:08
